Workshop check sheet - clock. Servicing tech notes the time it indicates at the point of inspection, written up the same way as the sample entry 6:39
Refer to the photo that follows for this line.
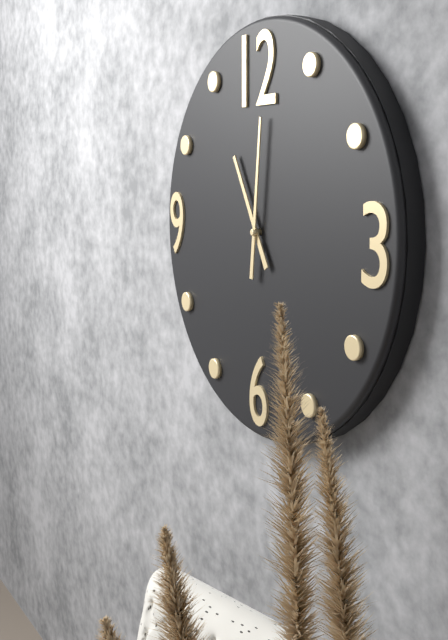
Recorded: 11:01
